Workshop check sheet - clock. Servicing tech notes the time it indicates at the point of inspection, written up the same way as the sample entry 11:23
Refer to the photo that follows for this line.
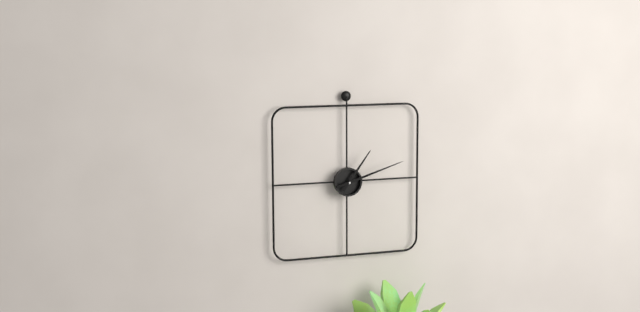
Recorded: 1:12
